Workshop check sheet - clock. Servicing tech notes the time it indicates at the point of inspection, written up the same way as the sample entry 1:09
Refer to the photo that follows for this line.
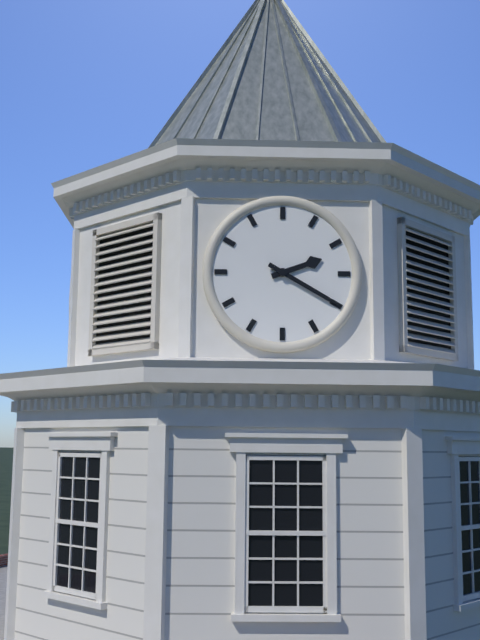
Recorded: 2:20
